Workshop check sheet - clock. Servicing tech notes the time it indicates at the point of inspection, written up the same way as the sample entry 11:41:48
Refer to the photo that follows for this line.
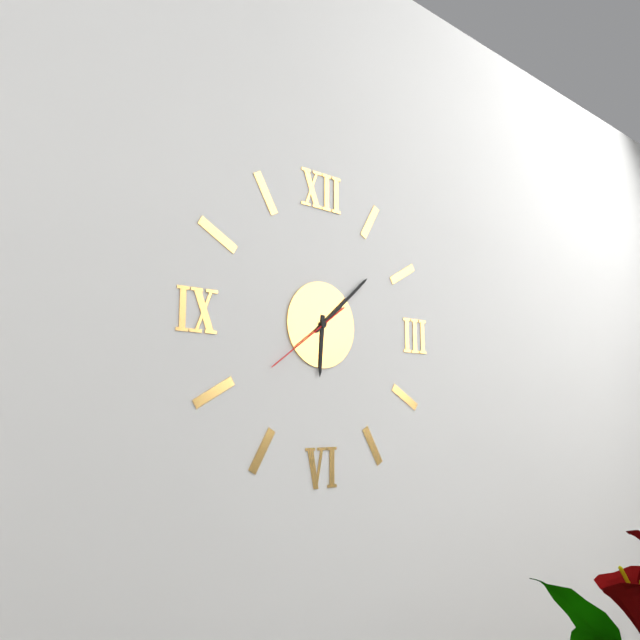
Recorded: 6:08:39
